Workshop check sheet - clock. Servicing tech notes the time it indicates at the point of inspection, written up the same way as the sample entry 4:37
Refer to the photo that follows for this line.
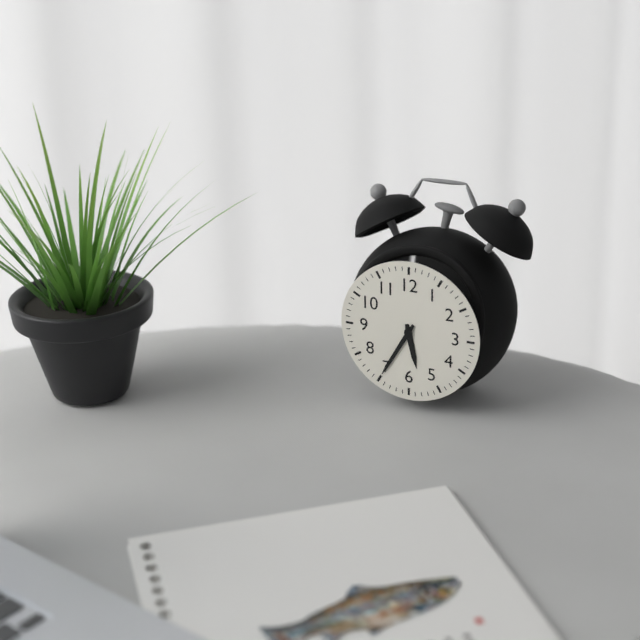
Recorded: 5:35
